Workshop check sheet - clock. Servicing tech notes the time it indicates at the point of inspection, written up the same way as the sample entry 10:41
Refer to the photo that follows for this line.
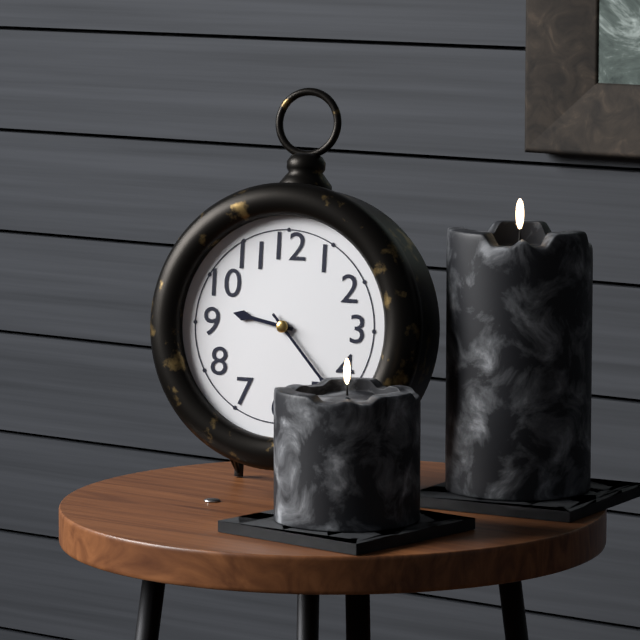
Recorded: 9:23
